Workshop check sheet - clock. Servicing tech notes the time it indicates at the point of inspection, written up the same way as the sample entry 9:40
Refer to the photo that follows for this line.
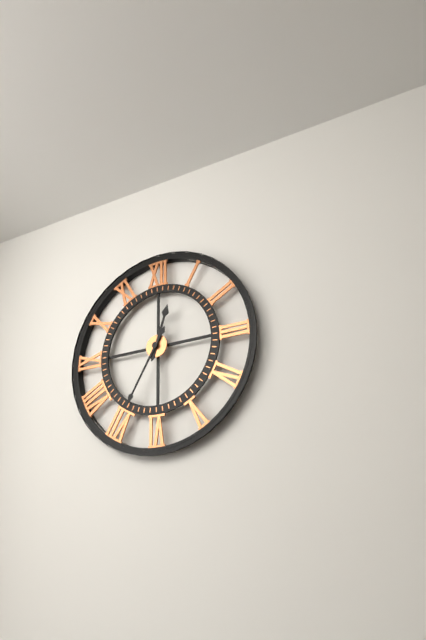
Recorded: 12:35
